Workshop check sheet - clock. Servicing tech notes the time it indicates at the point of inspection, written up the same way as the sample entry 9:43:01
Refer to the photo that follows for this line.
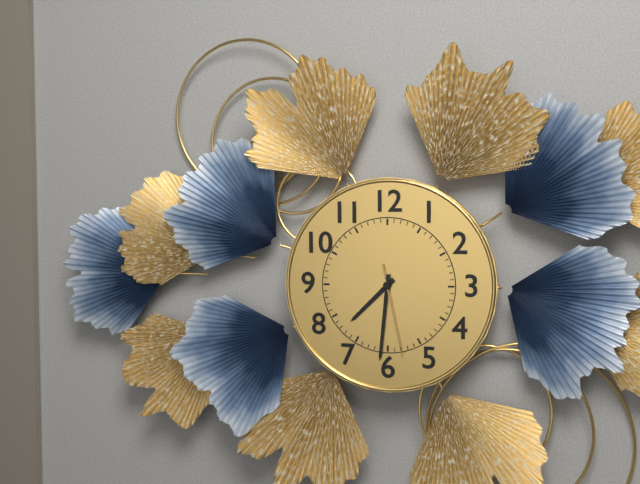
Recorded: 7:31:28
